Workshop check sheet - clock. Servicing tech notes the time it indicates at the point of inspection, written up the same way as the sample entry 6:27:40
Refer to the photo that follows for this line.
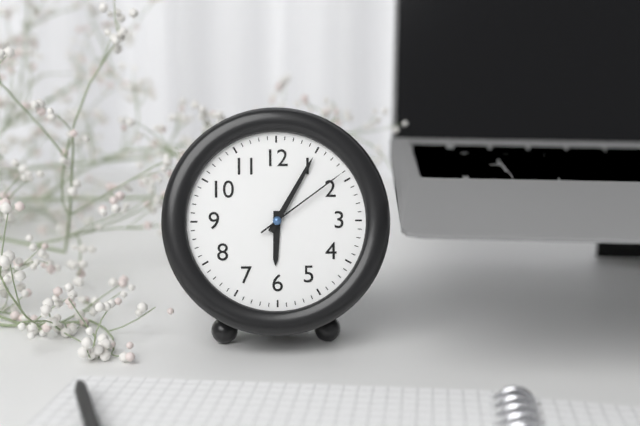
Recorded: 6:05:09
